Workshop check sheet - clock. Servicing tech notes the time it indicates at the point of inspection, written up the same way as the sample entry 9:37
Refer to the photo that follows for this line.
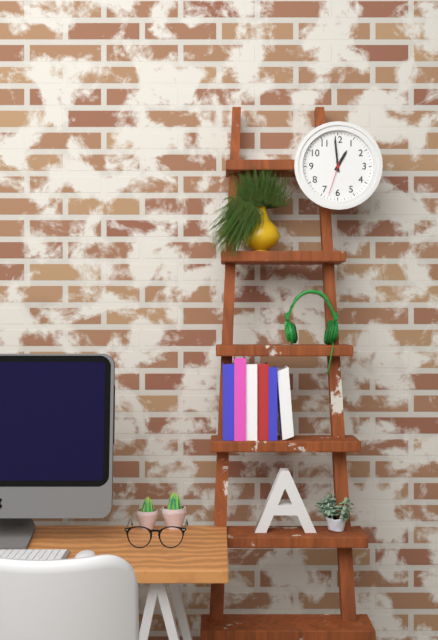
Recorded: 12:59
